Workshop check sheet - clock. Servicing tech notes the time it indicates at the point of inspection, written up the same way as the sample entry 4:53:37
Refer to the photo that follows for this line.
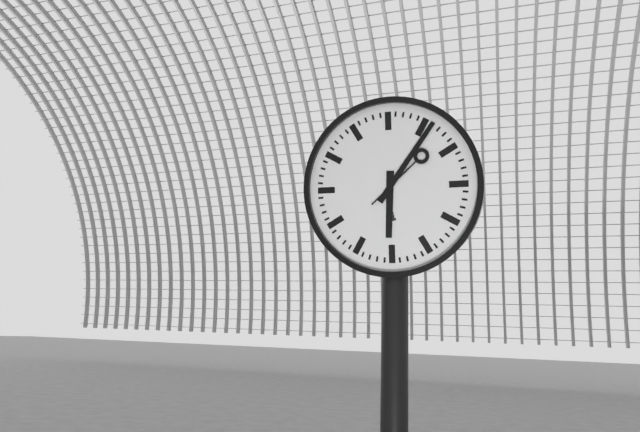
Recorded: 6:06:08
